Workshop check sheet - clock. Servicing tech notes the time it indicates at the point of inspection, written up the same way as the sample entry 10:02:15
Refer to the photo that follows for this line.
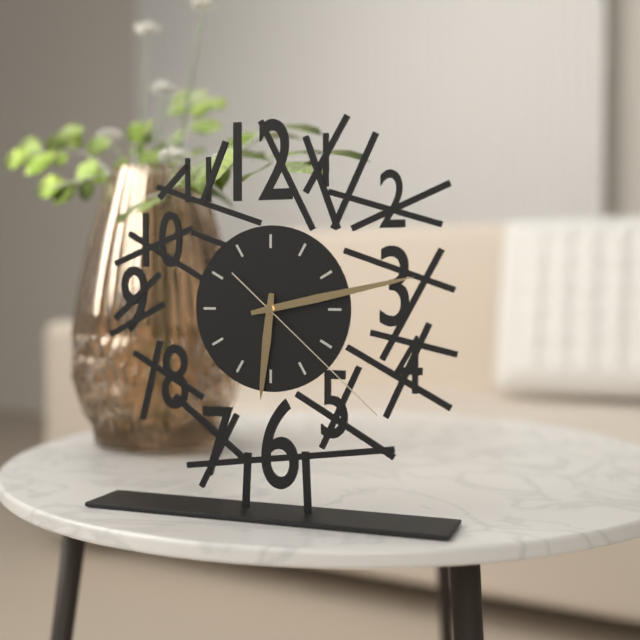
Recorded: 6:13:22
